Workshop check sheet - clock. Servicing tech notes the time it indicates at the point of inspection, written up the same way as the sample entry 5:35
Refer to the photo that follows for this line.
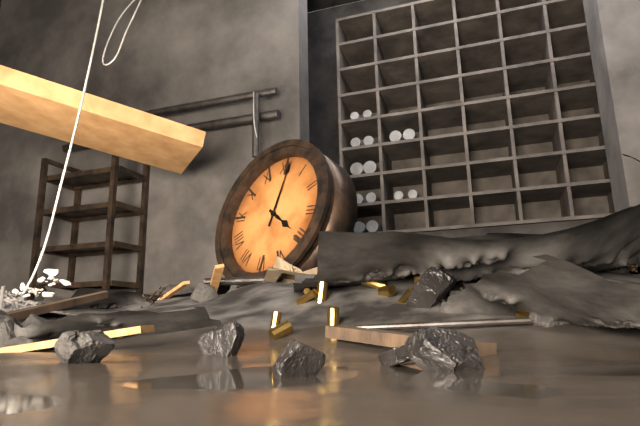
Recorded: 4:01
